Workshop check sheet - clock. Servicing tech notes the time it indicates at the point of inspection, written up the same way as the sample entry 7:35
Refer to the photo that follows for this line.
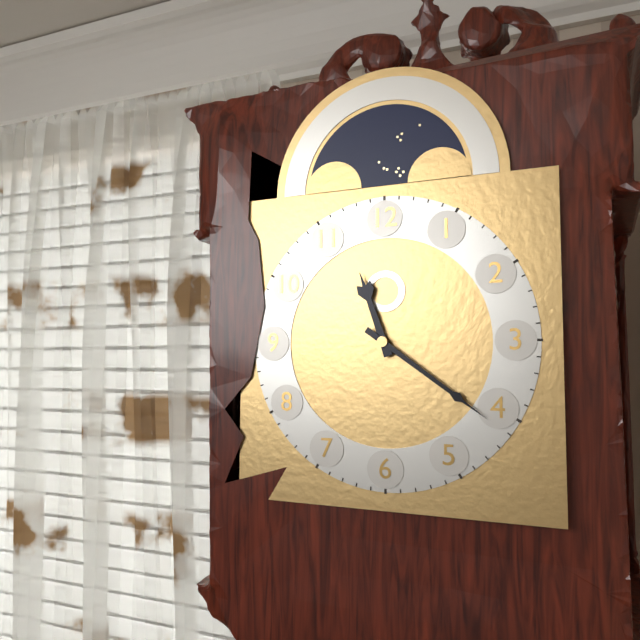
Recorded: 11:21
